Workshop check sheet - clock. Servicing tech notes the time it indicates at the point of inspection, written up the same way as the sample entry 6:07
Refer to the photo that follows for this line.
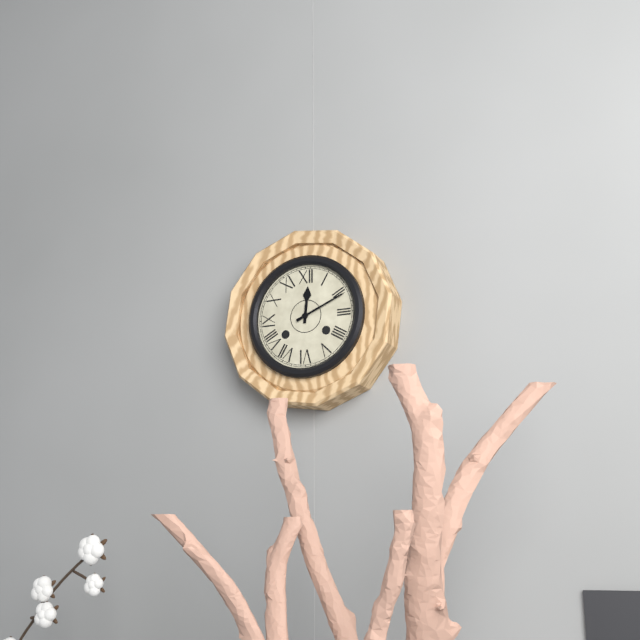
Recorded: 12:11
